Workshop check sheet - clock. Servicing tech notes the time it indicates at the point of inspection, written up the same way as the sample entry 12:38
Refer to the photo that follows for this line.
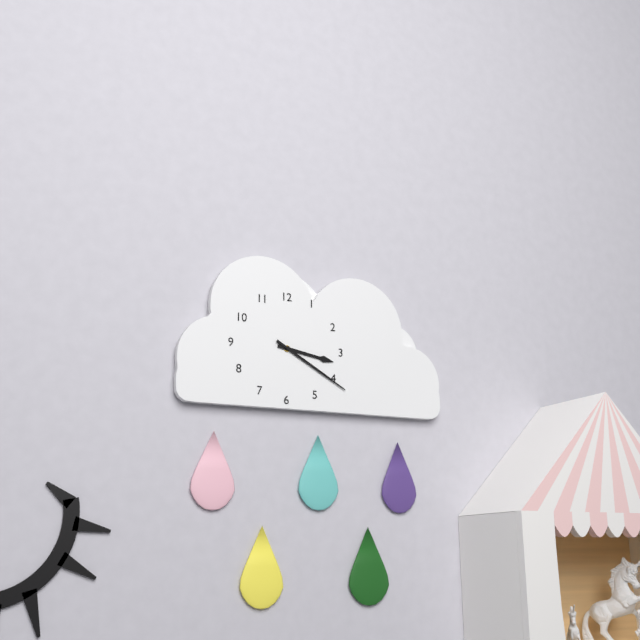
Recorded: 3:20
